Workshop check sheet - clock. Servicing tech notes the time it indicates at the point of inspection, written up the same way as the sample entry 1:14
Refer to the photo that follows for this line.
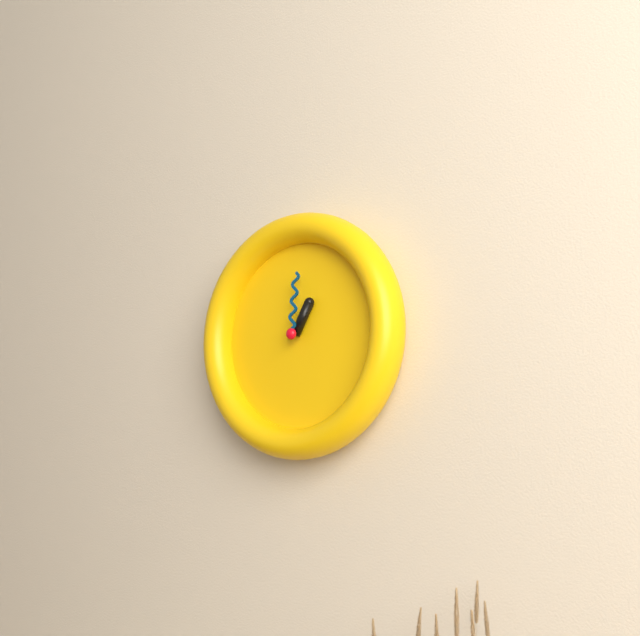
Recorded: 1:01
